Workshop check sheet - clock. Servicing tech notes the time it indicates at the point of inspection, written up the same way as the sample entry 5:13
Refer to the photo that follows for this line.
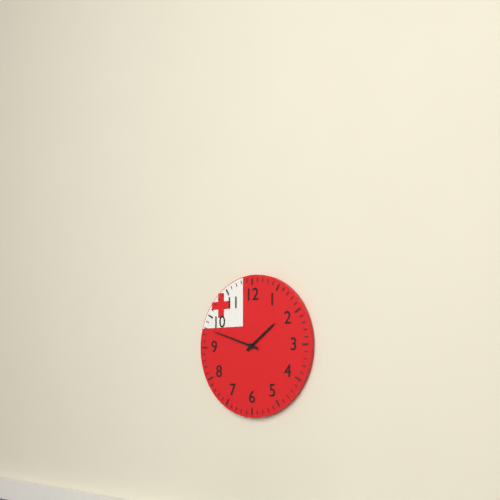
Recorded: 1:48
